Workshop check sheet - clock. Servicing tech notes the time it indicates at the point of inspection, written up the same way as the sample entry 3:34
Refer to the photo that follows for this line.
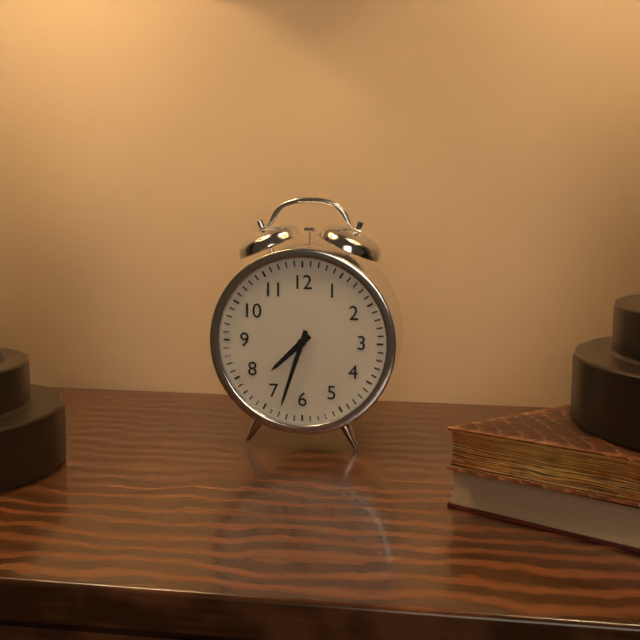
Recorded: 7:33
